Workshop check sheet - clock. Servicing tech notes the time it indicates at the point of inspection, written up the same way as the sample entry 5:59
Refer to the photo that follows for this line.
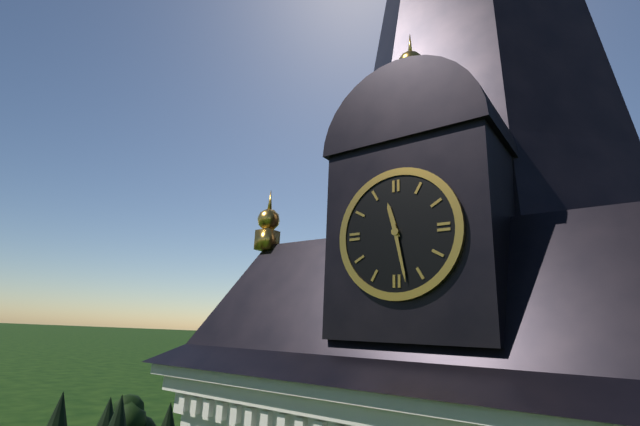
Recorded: 11:28
